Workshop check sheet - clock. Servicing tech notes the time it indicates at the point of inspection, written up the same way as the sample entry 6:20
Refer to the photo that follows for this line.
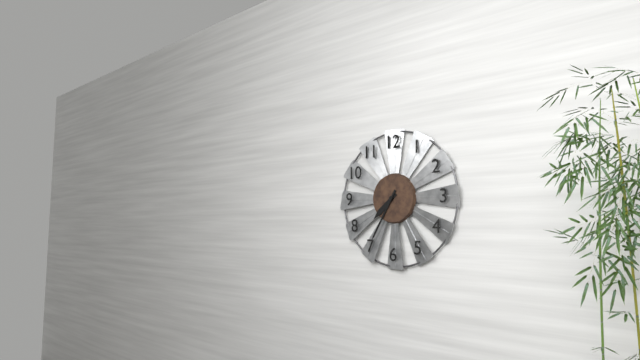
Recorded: 7:35
